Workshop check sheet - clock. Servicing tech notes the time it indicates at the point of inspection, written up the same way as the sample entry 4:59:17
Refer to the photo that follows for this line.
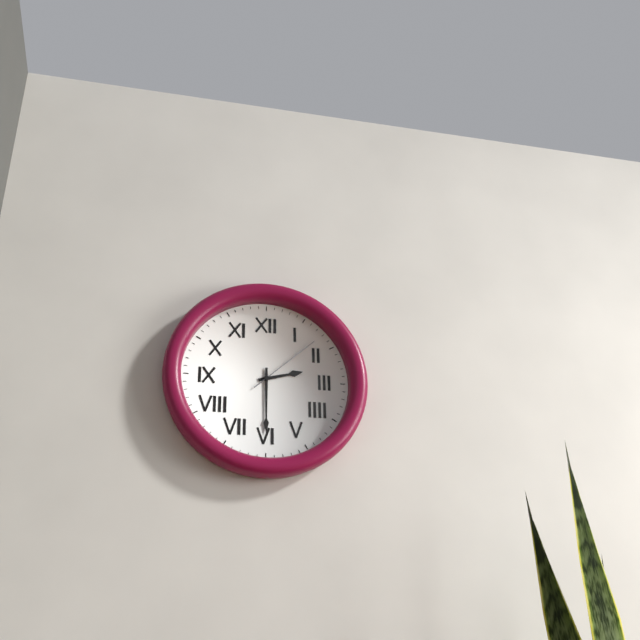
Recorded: 2:30:08
